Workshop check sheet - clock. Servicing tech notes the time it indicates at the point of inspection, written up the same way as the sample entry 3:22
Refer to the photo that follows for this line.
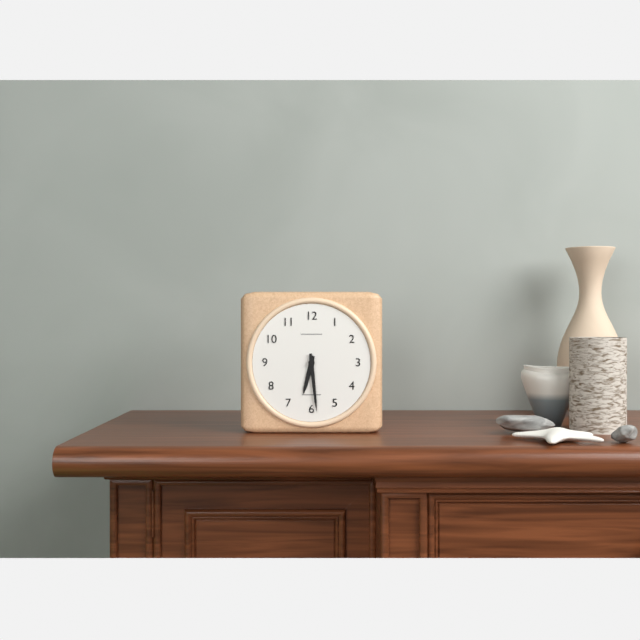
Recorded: 6:29
